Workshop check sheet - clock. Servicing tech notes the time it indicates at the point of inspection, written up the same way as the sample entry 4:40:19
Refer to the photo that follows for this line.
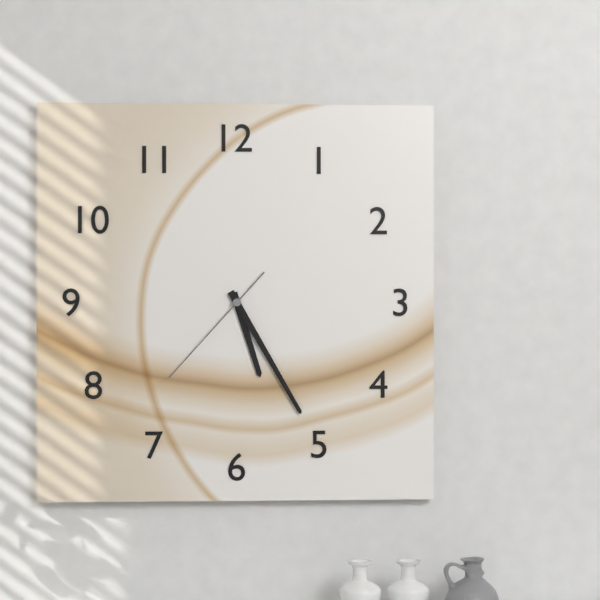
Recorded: 5:25:37
